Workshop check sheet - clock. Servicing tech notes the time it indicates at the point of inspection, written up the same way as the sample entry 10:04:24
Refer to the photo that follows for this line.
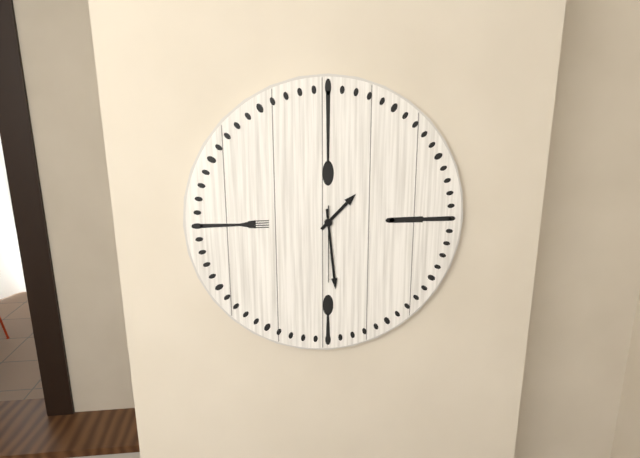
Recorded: 1:29:30
